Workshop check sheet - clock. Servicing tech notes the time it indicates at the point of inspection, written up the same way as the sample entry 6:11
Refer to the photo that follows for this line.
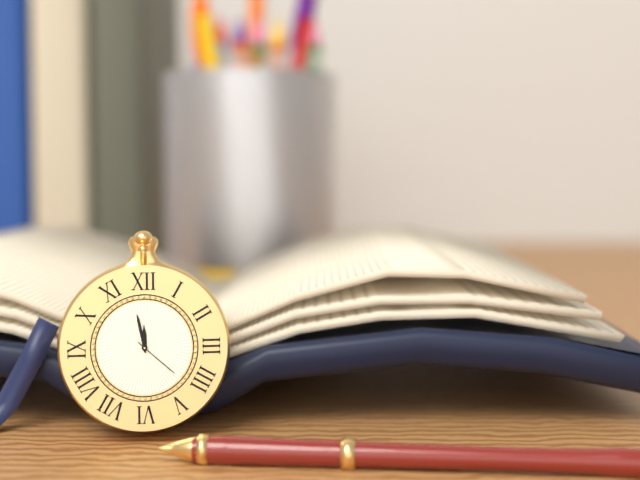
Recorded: 11:58
